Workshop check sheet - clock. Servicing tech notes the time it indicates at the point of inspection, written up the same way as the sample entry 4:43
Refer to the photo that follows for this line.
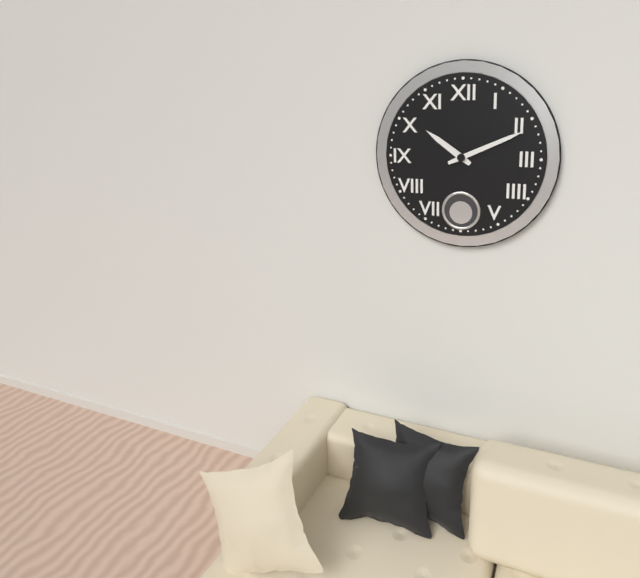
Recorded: 10:11
